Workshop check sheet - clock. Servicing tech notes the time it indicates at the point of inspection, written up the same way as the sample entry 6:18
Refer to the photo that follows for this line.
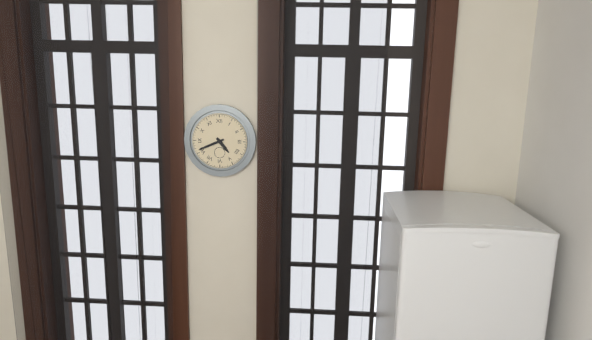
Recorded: 4:41
